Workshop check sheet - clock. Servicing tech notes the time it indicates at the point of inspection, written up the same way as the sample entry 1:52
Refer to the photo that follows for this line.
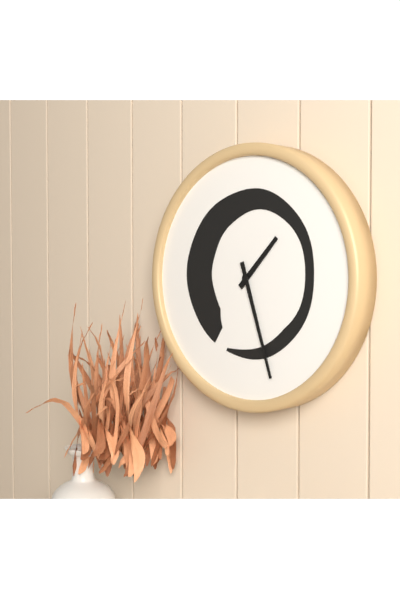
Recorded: 1:27
